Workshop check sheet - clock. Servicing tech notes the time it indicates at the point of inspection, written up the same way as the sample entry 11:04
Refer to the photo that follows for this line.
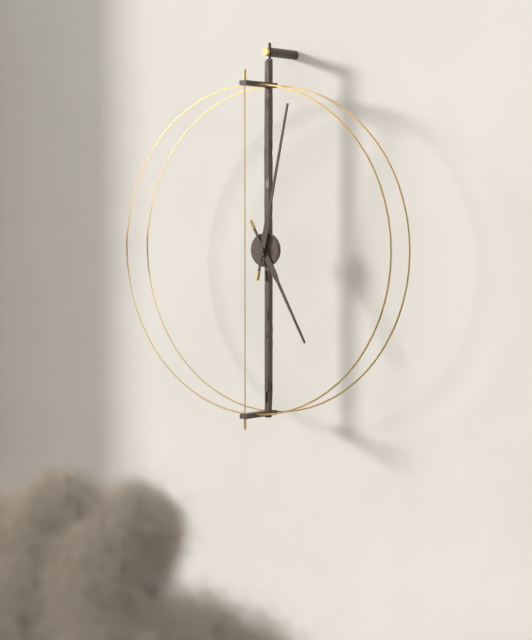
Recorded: 5:02
